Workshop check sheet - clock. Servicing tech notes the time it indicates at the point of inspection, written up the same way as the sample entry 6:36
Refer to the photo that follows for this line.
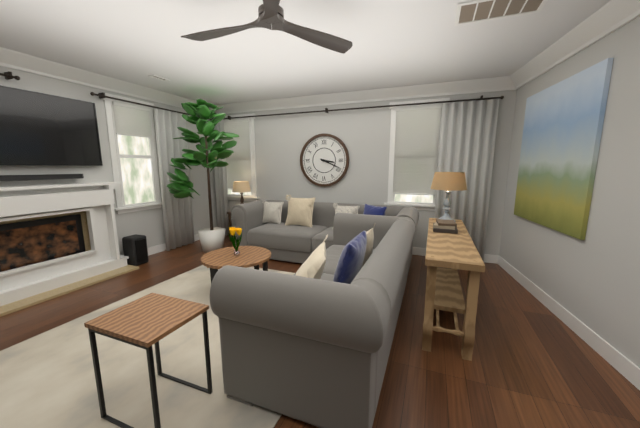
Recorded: 3:19
